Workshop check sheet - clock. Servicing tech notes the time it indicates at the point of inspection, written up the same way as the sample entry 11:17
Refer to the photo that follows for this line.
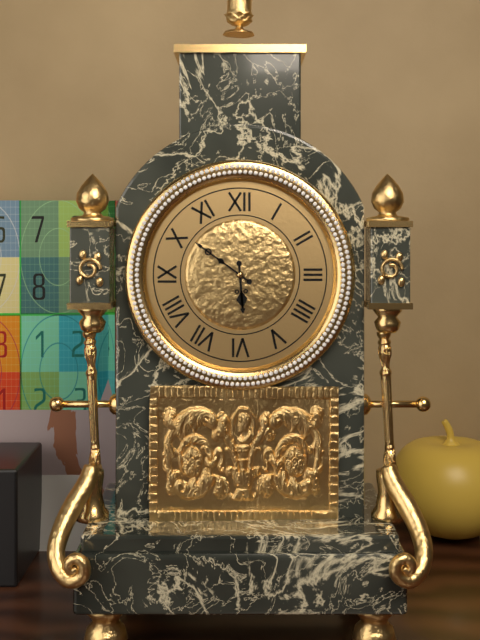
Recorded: 5:51
